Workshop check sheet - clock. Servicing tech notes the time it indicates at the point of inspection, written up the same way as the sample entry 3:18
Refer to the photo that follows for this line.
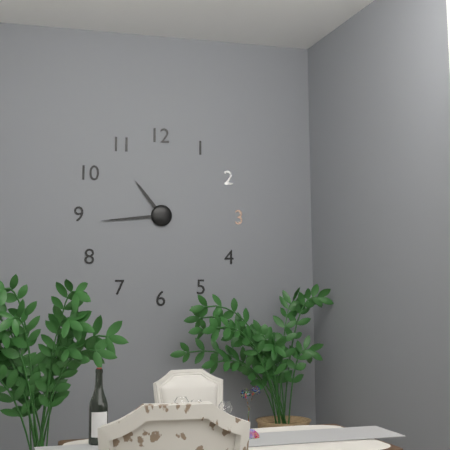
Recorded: 10:44
